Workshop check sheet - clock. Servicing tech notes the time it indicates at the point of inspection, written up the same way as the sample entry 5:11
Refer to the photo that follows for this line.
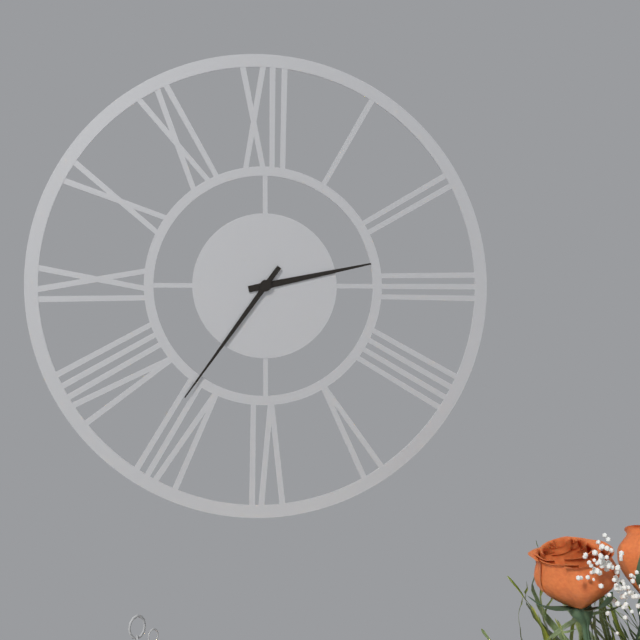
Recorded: 2:36
